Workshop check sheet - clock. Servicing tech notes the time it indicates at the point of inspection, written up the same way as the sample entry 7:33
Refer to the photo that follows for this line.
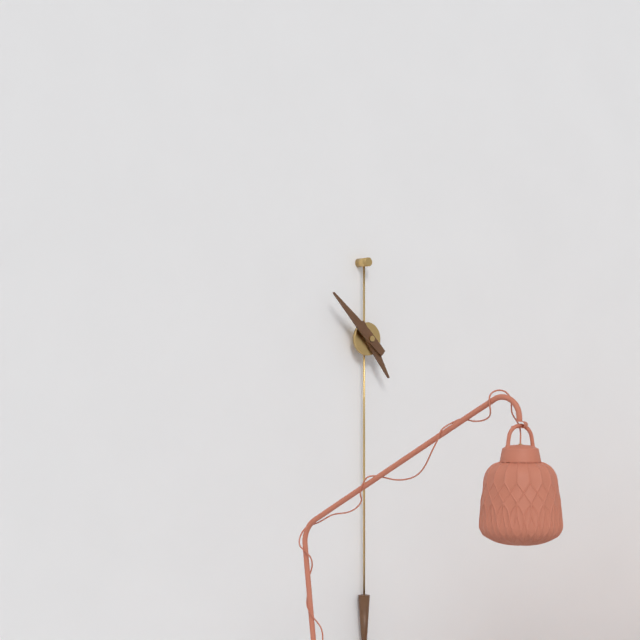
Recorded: 4:52
